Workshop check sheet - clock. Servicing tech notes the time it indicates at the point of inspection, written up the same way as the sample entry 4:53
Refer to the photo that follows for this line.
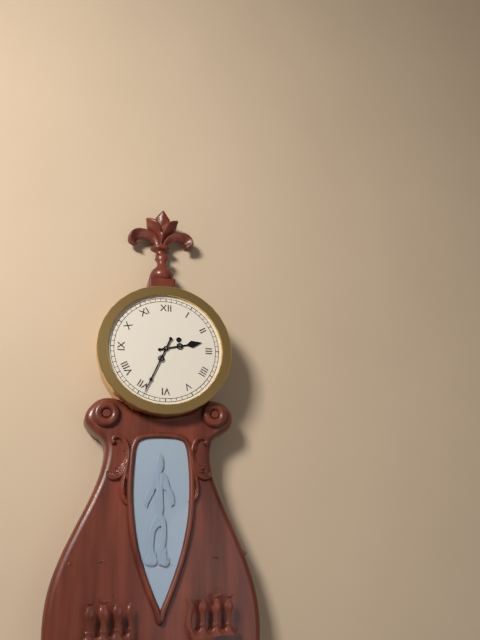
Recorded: 2:34
